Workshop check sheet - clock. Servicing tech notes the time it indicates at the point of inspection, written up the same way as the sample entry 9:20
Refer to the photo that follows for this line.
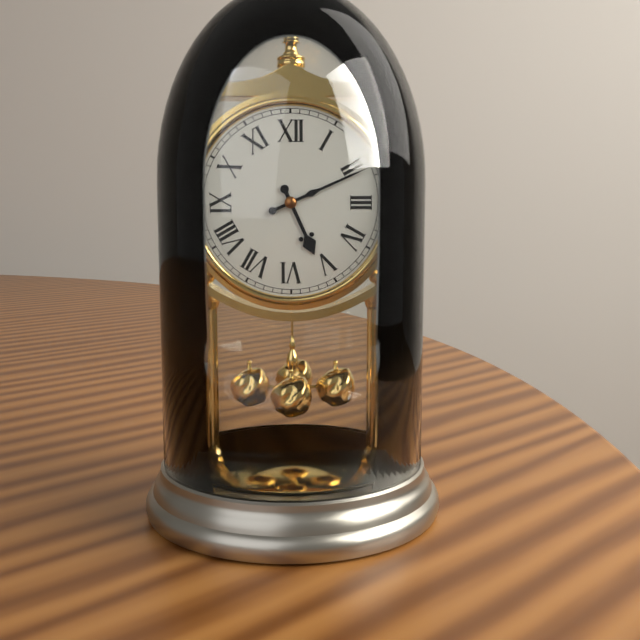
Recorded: 5:11
